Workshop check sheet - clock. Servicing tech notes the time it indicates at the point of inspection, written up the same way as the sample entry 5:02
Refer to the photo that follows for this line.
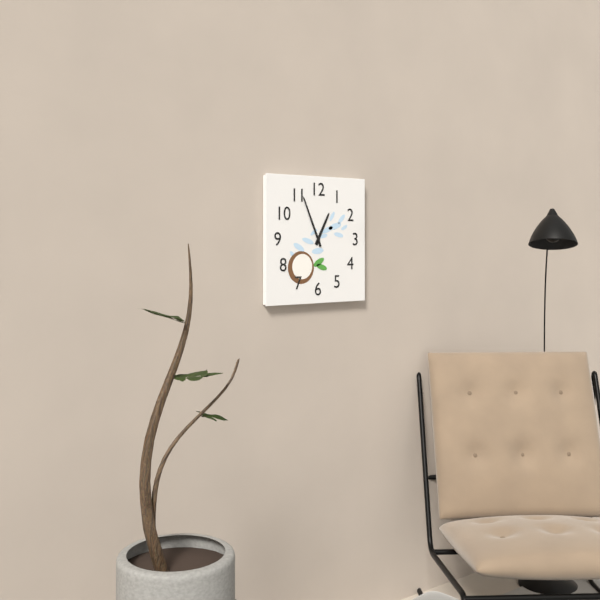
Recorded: 12:56
